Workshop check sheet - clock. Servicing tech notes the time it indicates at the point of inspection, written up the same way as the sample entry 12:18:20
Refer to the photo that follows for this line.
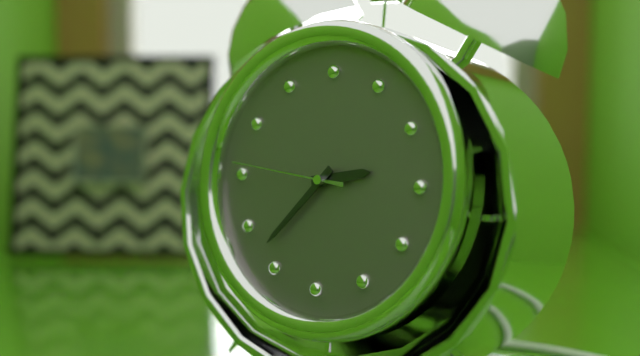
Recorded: 2:37:46
